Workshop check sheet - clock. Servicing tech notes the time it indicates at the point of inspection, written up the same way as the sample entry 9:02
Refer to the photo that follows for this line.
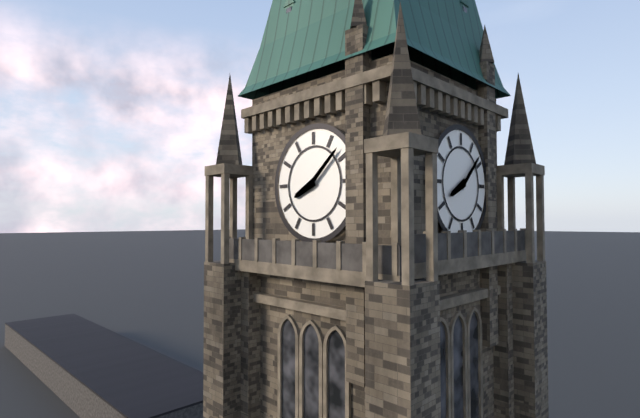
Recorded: 8:08
